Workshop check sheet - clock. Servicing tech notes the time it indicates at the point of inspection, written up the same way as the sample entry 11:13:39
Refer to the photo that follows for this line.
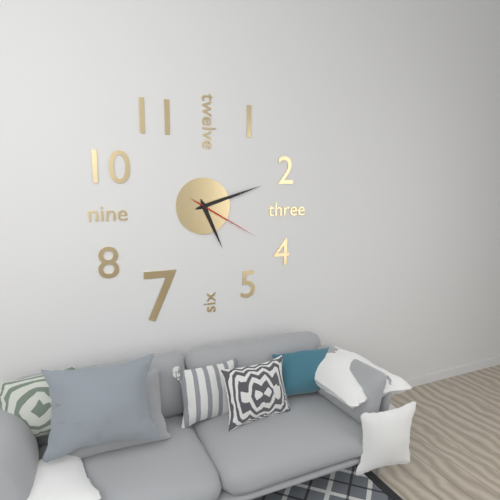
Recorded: 5:12:20
